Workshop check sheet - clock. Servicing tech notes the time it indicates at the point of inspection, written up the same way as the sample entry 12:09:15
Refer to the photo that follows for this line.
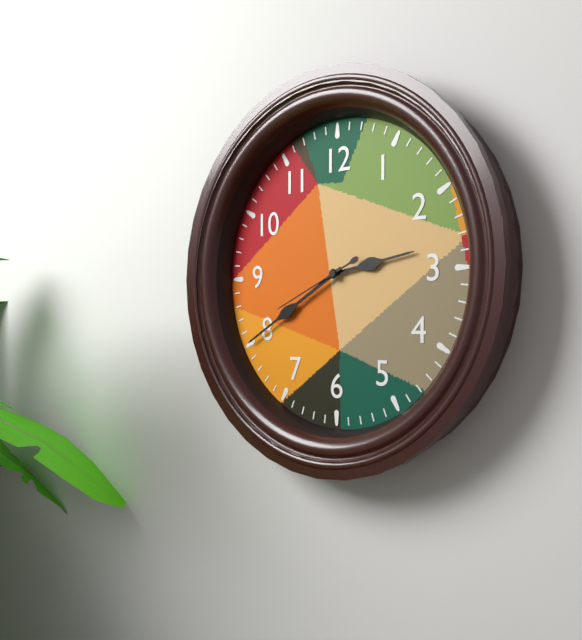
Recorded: 2:40:41
